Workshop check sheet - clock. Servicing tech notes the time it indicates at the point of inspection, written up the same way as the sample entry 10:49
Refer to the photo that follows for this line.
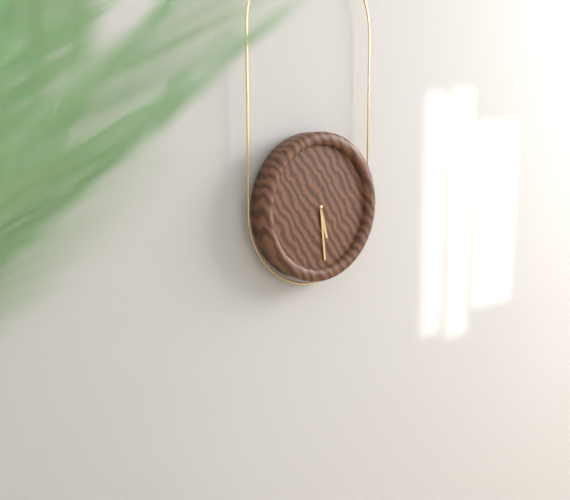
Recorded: 5:29
